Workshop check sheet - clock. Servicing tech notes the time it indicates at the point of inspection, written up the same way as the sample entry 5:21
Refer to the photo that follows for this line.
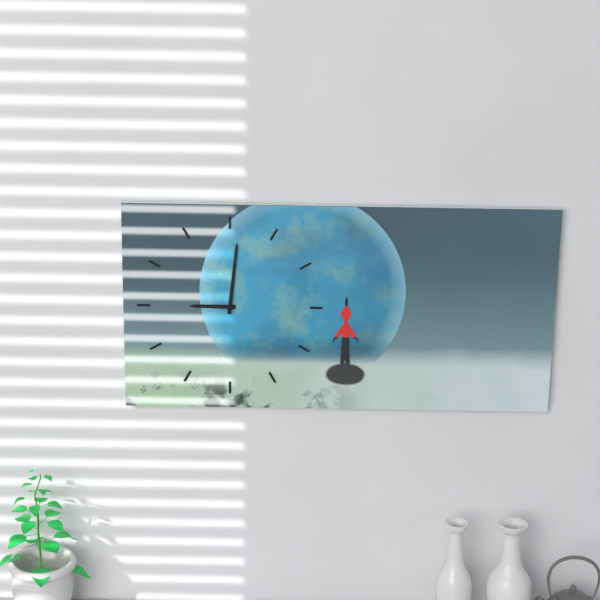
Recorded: 9:01
